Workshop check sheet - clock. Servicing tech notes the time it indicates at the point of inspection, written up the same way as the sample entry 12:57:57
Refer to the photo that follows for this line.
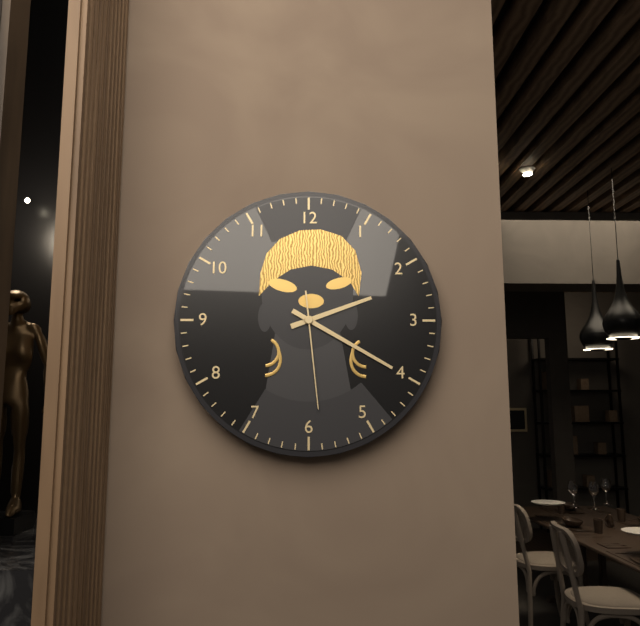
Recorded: 2:20:29
